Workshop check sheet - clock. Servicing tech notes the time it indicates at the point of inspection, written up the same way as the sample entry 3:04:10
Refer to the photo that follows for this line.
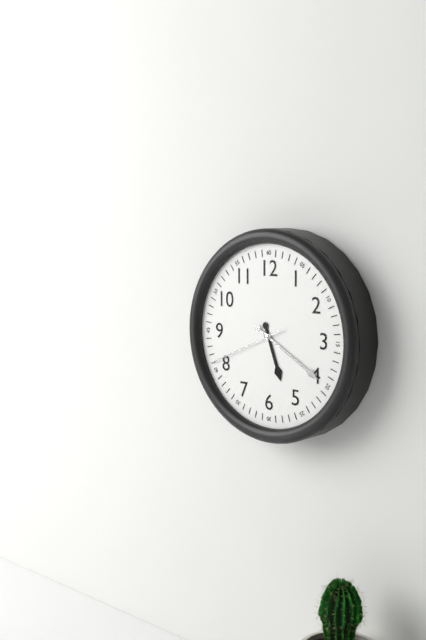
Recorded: 5:20:41
